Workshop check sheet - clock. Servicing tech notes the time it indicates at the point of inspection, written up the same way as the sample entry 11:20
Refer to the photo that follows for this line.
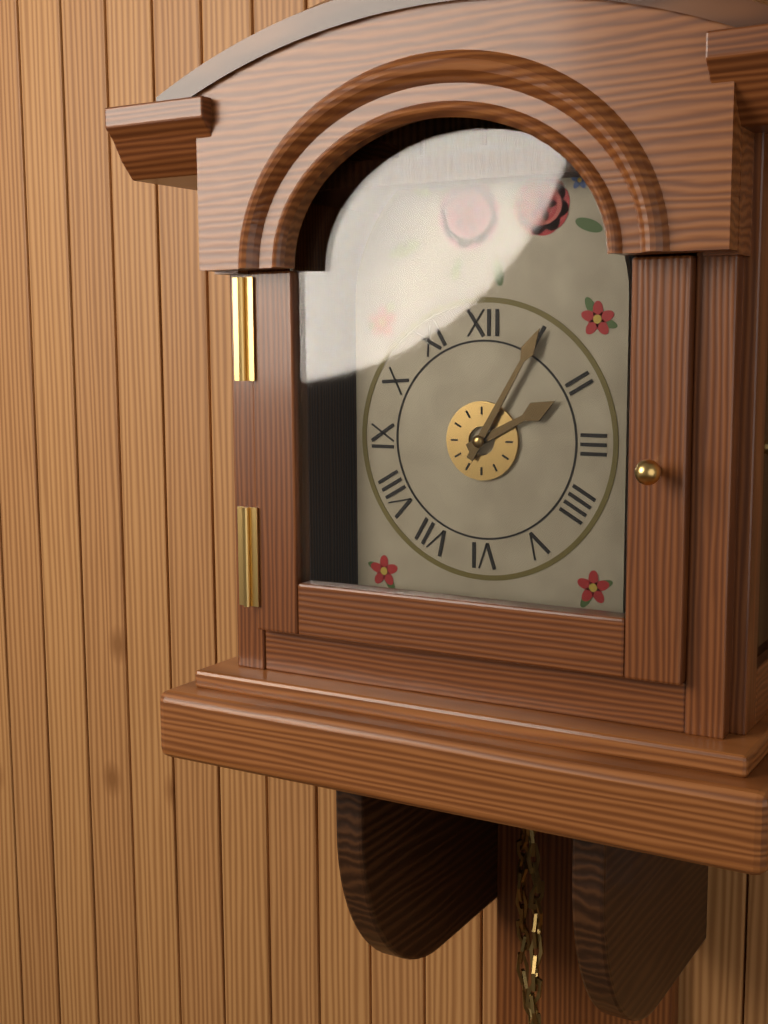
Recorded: 2:05
